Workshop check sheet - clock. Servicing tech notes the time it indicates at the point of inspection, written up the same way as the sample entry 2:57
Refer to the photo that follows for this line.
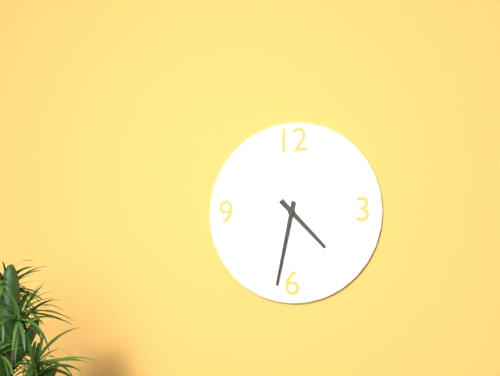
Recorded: 4:32
